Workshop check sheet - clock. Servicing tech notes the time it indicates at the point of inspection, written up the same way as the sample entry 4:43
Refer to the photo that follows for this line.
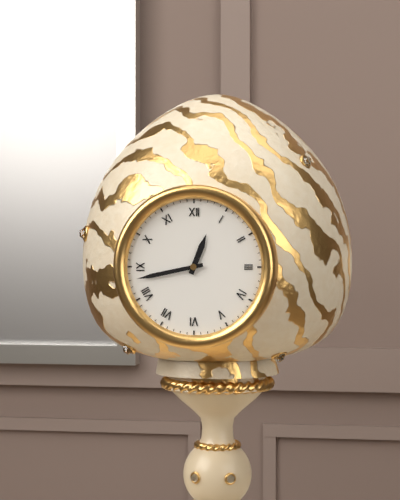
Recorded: 12:43
